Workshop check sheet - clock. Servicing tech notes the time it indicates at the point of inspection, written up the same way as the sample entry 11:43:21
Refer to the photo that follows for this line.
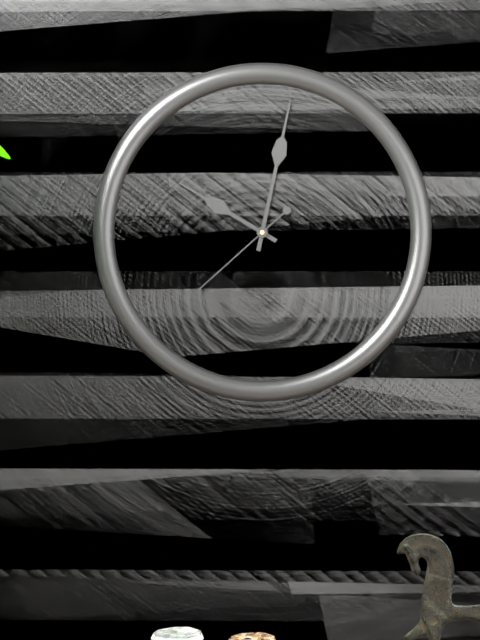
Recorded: 10:02:38
